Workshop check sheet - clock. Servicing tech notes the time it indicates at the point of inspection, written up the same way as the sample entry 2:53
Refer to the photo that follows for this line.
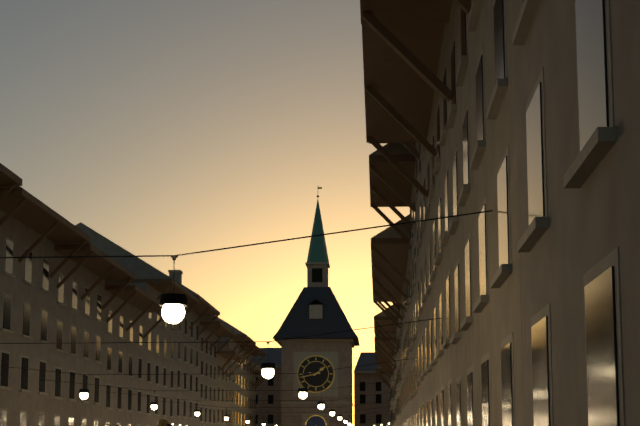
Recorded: 1:43
